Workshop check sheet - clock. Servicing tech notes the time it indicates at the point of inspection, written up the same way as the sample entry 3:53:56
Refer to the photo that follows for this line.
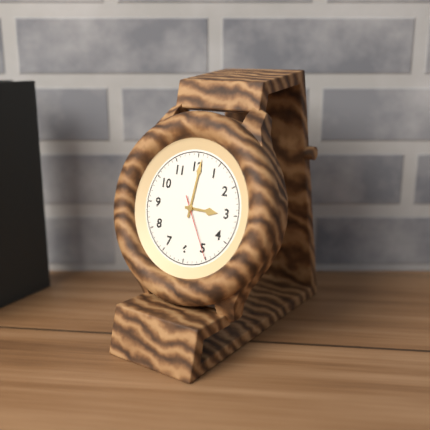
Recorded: 3:01:25
